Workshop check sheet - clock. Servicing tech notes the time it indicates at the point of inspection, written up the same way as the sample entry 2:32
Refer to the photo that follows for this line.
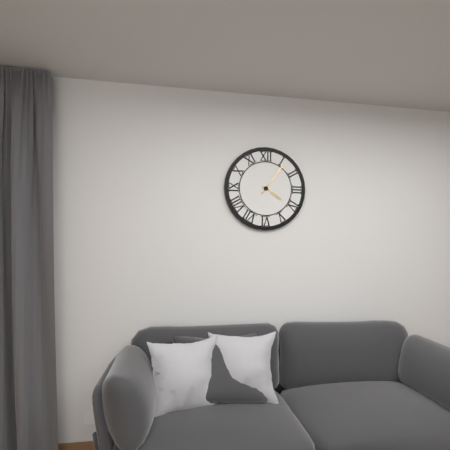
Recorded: 4:06
